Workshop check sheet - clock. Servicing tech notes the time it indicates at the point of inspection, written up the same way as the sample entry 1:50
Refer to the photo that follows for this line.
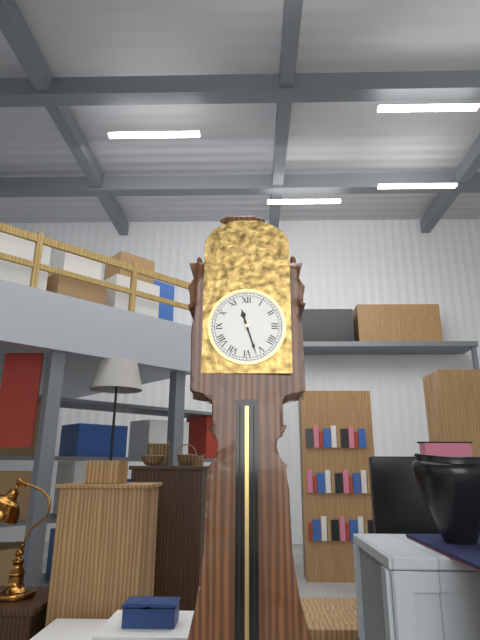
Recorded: 11:27
